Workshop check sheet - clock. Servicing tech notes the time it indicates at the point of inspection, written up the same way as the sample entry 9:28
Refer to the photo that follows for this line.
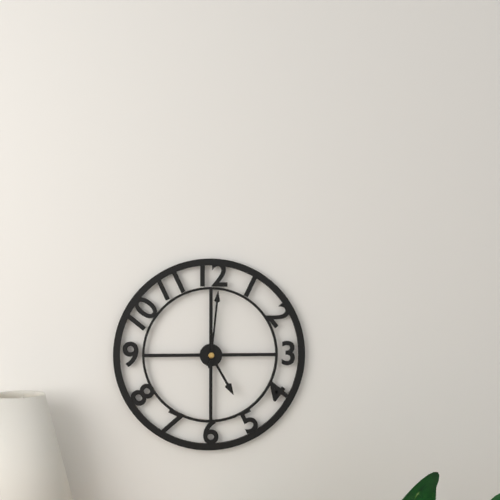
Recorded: 5:01
